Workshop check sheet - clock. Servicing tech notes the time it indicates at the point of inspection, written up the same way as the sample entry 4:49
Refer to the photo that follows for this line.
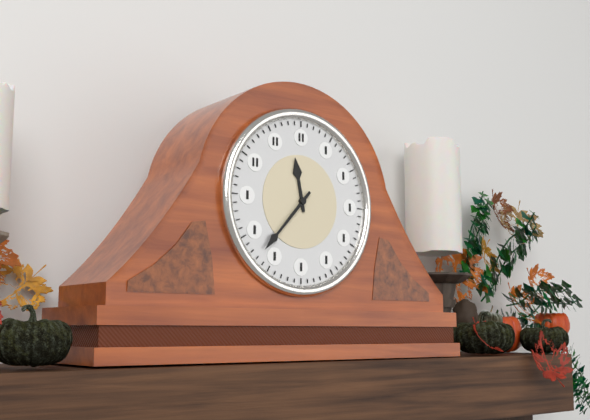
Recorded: 11:37
